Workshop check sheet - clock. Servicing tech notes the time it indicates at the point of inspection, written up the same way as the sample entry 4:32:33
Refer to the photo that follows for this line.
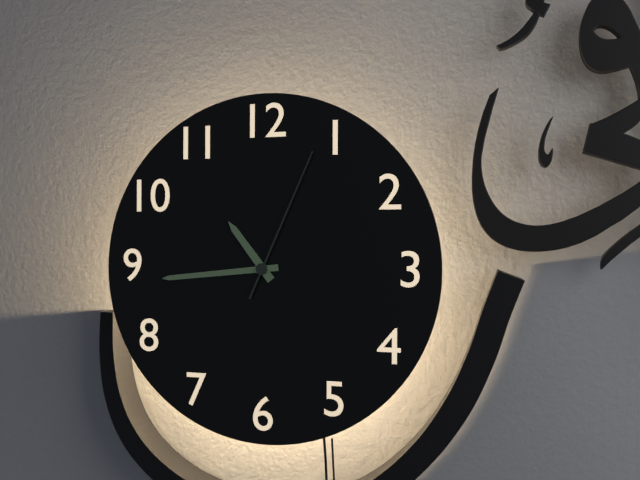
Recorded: 10:44:04
